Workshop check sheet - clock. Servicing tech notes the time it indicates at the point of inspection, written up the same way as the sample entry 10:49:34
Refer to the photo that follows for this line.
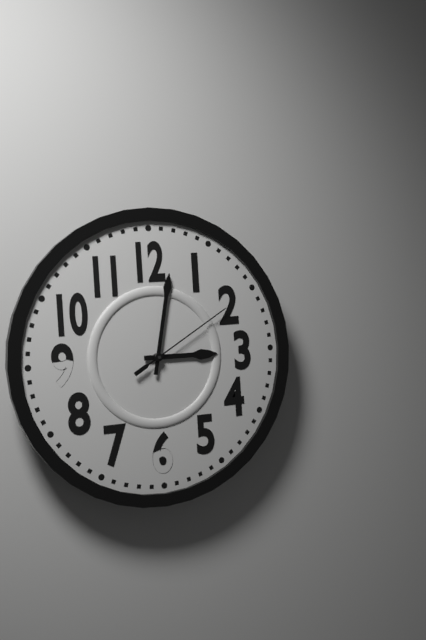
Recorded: 3:02:10
